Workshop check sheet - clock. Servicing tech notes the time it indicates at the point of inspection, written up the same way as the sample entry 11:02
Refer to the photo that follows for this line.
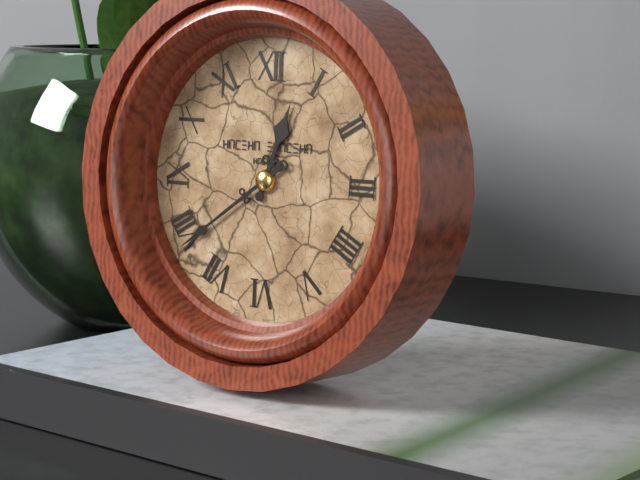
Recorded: 12:39
